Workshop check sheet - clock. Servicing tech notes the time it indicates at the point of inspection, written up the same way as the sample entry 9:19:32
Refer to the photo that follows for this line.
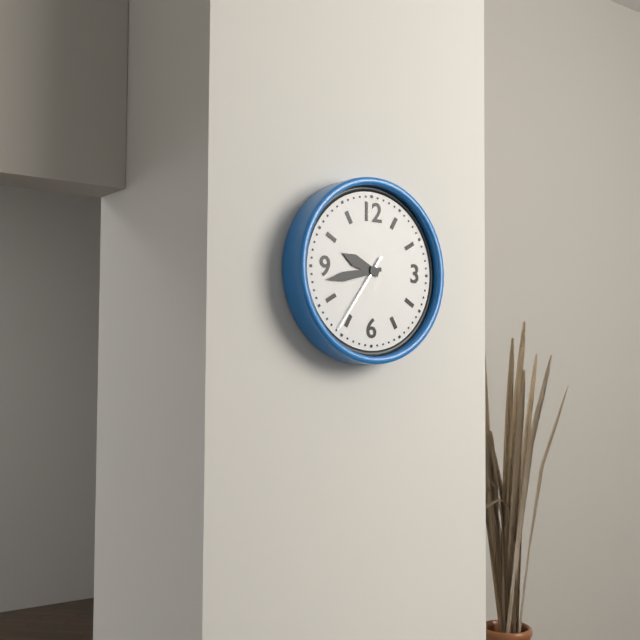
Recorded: 9:43:36
